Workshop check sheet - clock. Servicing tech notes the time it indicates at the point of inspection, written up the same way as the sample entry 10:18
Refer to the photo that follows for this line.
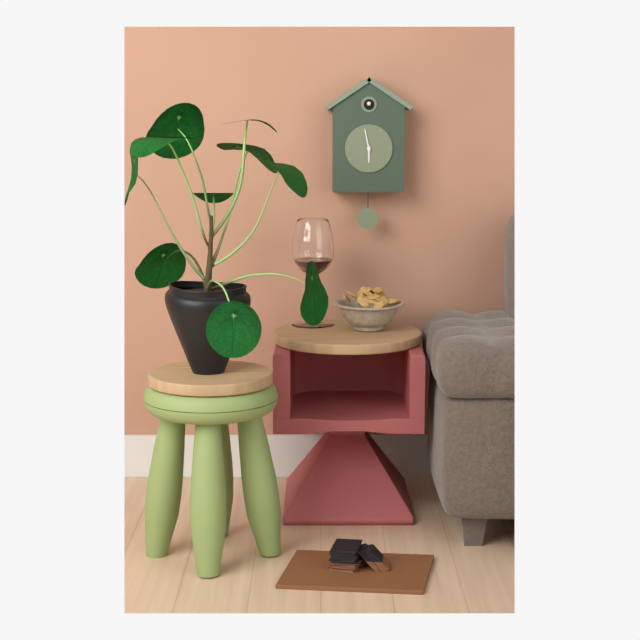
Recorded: 5:58
